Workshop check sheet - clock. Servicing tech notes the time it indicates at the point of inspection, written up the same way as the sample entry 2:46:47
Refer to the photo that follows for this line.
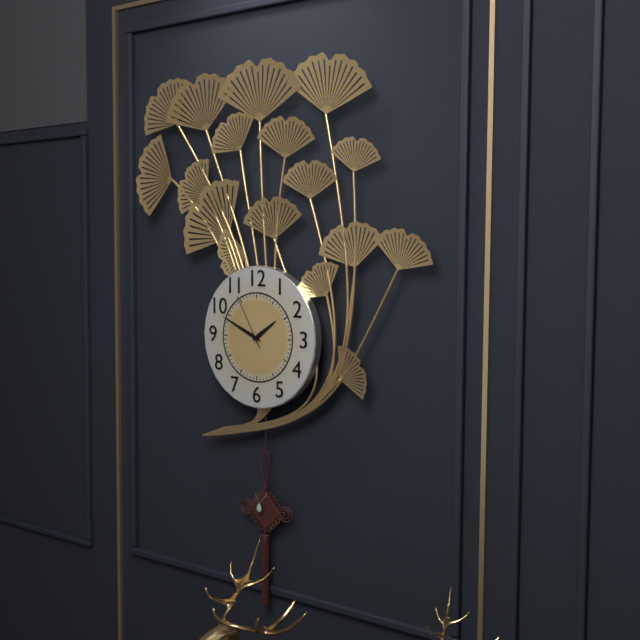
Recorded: 1:49:55
